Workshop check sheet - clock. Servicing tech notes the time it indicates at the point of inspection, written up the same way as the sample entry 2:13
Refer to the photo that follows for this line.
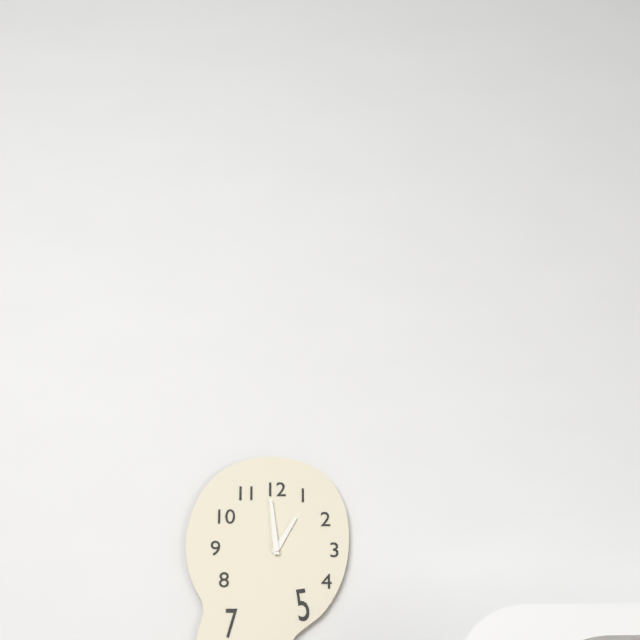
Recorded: 12:59
